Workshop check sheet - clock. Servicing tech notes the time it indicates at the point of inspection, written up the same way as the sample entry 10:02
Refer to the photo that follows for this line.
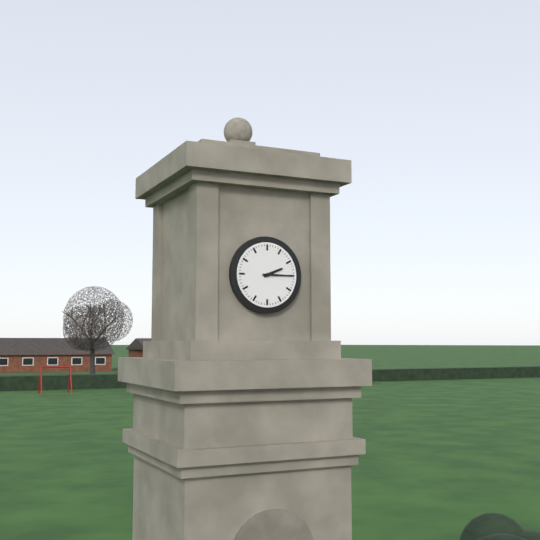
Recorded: 2:15
